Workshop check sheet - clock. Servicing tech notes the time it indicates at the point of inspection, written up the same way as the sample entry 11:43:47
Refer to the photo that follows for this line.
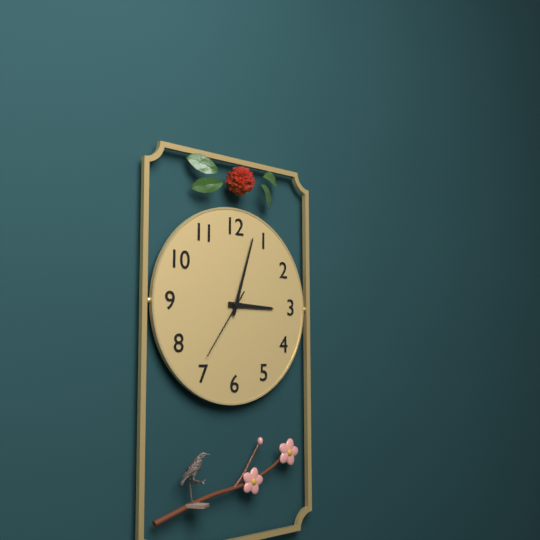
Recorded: 3:03:36
